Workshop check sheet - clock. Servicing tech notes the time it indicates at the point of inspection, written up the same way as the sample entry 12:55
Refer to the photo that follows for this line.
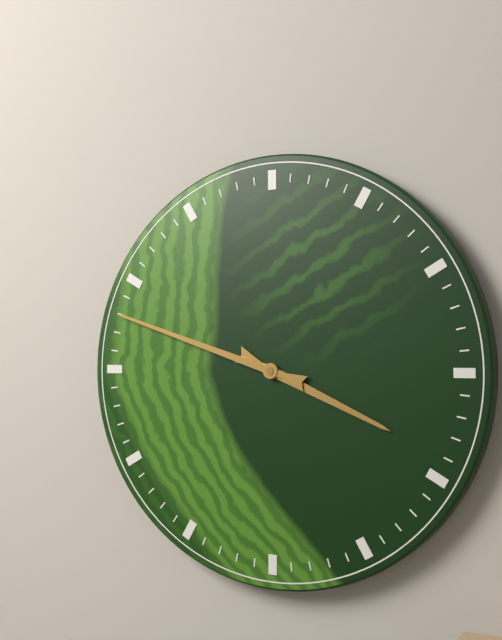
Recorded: 3:48
